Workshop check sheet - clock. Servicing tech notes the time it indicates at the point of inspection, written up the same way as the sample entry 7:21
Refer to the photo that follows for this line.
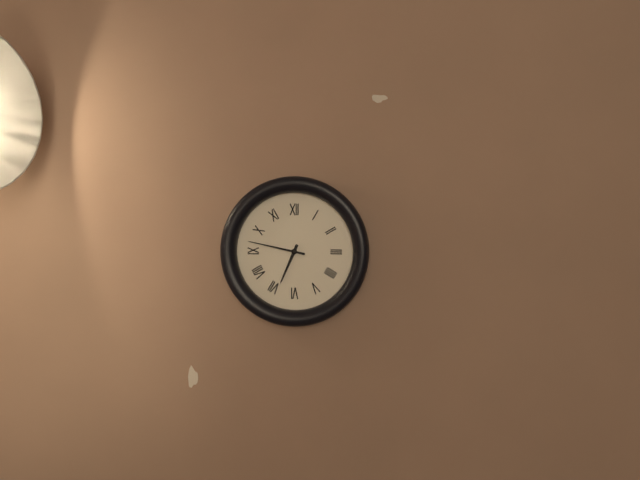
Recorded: 6:47
